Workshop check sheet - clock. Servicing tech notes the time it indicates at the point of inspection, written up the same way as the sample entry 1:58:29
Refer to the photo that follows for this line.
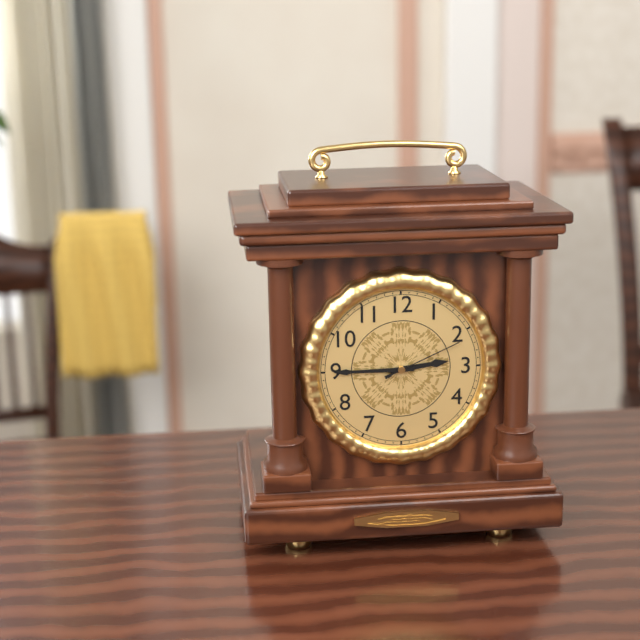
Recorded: 2:45:11
